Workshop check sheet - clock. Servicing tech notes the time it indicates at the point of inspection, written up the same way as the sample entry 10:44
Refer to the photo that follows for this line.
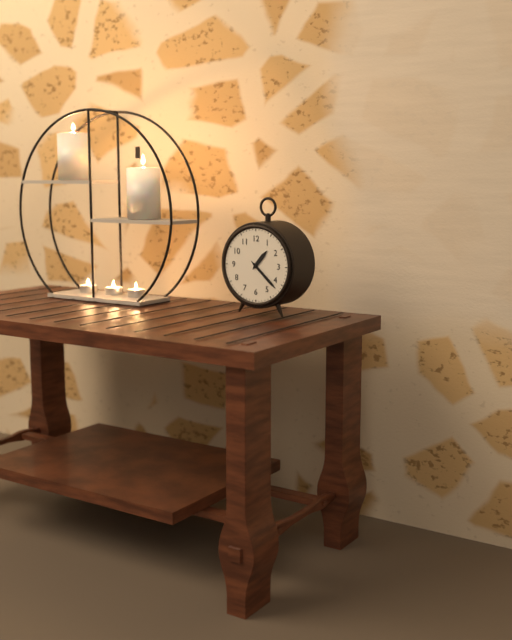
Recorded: 1:22
